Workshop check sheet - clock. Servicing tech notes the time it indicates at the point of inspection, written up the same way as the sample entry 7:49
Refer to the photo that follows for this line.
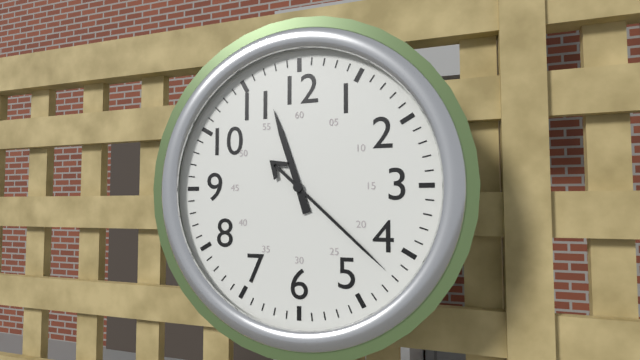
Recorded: 11:22
